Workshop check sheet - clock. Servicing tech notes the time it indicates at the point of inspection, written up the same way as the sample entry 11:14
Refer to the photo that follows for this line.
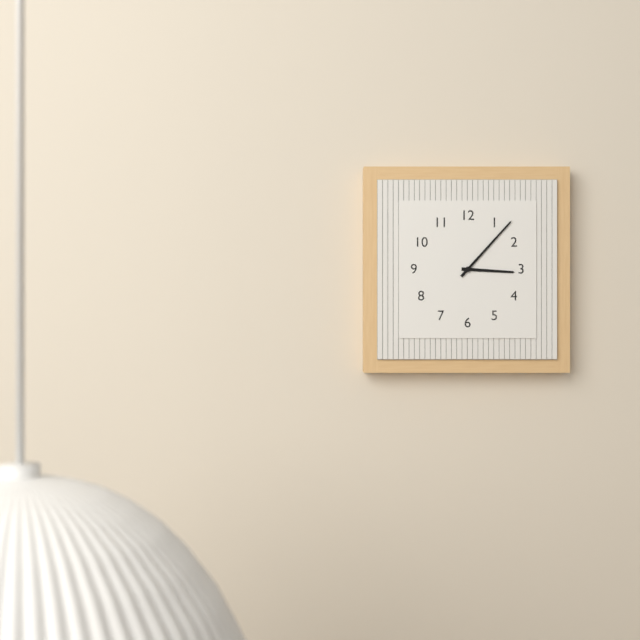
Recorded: 3:07
